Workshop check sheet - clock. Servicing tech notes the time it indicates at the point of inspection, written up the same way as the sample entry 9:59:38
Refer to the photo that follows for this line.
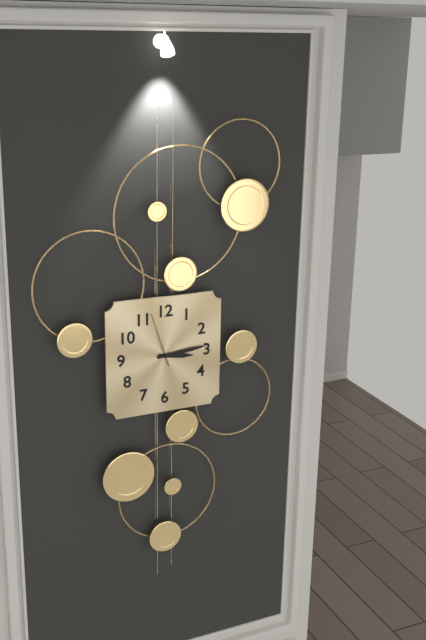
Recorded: 3:14:57
